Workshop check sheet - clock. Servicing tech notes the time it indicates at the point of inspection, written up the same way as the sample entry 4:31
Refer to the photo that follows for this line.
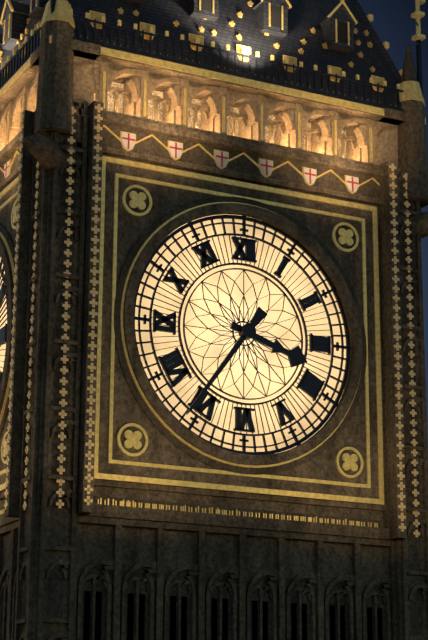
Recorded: 3:36
